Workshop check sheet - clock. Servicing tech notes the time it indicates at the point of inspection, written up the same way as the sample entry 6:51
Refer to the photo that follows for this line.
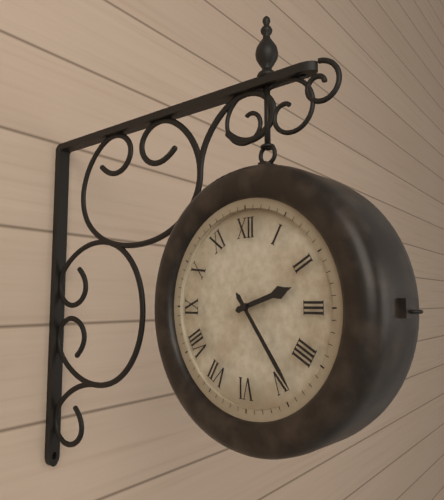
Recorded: 2:24
